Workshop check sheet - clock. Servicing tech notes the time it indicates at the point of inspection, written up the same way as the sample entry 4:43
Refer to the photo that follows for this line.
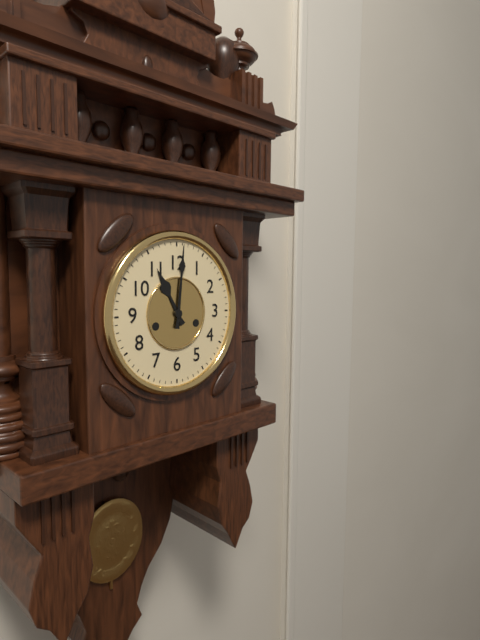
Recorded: 11:01
